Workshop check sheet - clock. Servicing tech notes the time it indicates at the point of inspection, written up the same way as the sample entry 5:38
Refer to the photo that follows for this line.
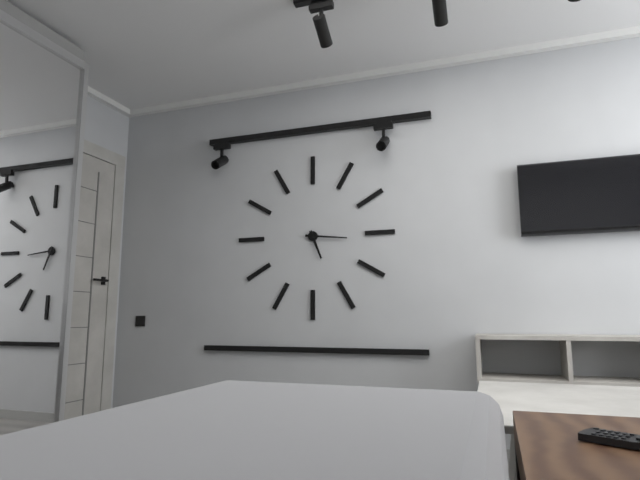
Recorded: 5:16
